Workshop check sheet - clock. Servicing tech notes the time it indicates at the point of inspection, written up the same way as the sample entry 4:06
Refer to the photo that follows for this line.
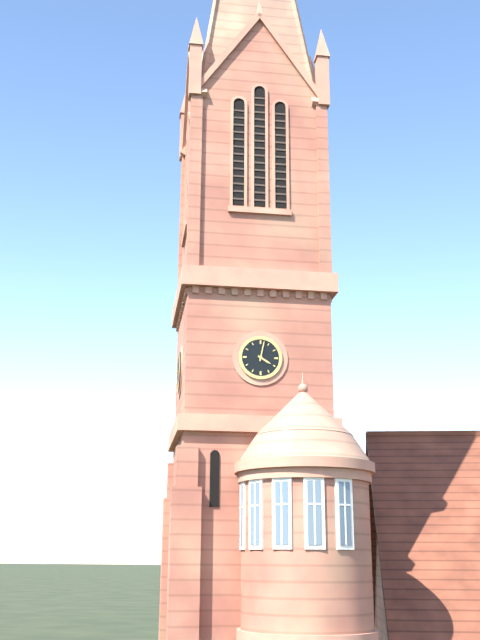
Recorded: 4:02
